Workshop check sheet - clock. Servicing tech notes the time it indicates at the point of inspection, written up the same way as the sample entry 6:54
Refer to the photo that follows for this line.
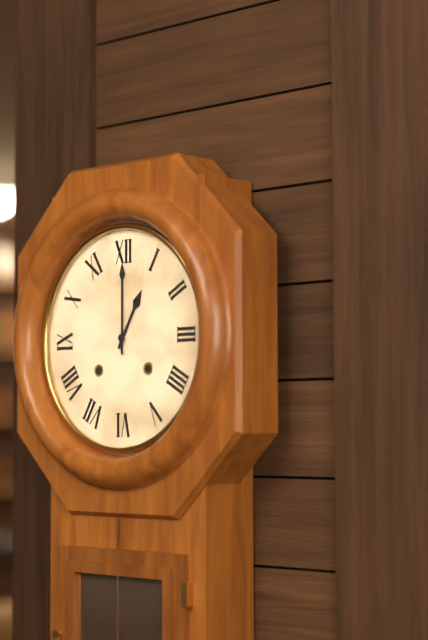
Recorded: 1:00
